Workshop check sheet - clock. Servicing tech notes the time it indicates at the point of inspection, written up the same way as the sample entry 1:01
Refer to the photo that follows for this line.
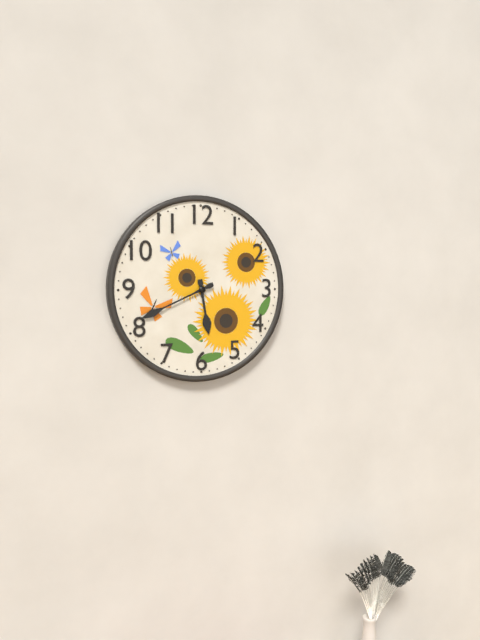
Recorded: 5:41
